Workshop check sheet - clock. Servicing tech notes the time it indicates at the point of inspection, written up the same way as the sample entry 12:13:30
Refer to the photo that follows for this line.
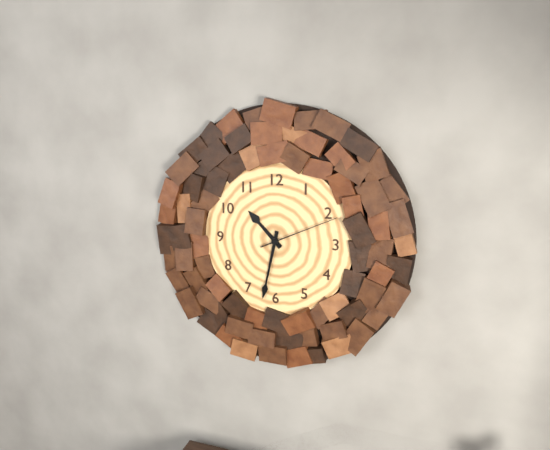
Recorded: 10:32:11
